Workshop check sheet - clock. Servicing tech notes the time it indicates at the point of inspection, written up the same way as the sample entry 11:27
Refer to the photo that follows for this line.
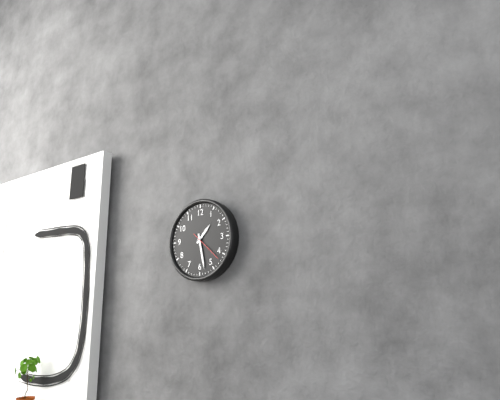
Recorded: 1:28
